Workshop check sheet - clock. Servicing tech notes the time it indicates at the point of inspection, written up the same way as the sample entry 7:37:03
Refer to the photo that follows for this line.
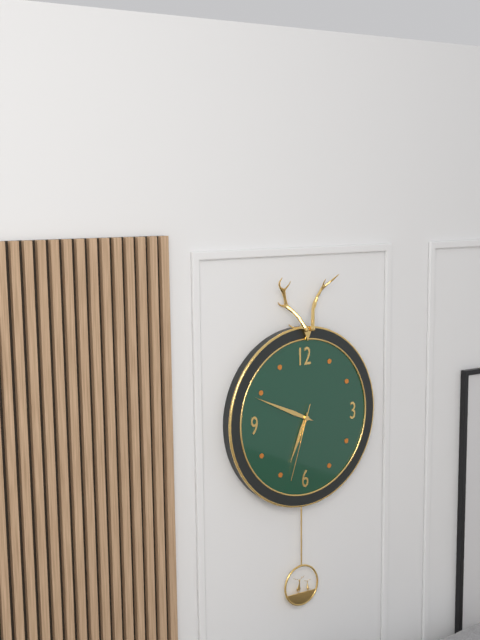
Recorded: 6:49:33
